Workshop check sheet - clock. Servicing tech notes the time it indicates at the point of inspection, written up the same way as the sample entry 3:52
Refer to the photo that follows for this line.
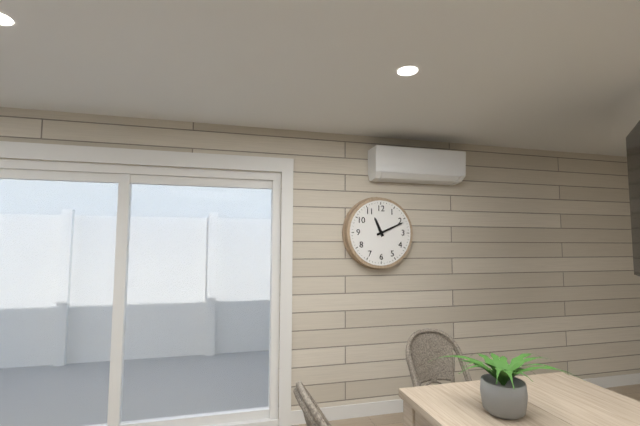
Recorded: 11:11
